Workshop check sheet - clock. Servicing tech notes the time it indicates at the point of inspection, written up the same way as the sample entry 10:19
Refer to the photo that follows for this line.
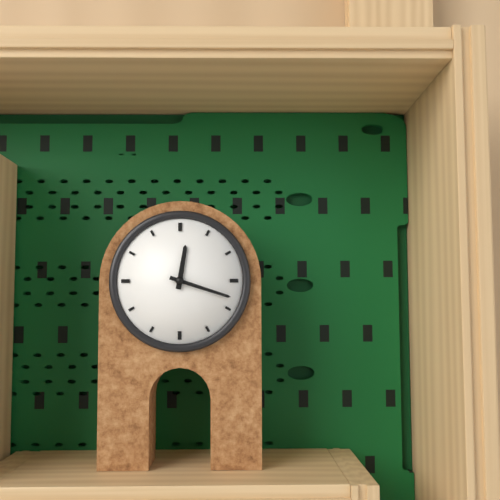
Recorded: 12:18
